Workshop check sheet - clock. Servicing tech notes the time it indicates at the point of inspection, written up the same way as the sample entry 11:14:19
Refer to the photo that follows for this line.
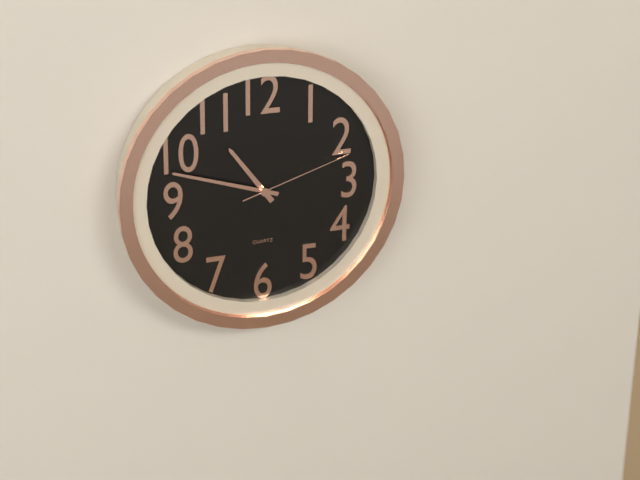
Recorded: 10:48:12
